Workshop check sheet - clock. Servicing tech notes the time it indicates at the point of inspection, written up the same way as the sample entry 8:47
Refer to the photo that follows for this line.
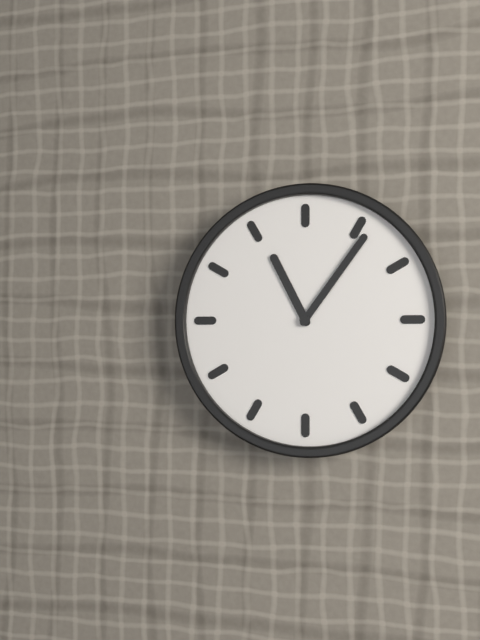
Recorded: 11:06
